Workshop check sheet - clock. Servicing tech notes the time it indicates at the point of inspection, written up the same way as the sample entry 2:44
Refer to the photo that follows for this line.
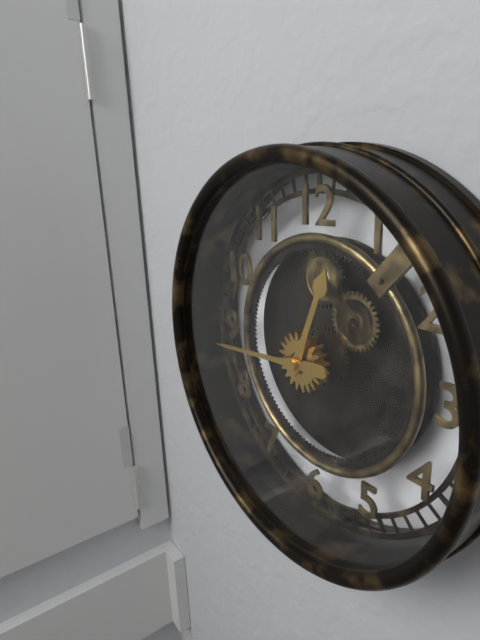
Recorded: 12:44
